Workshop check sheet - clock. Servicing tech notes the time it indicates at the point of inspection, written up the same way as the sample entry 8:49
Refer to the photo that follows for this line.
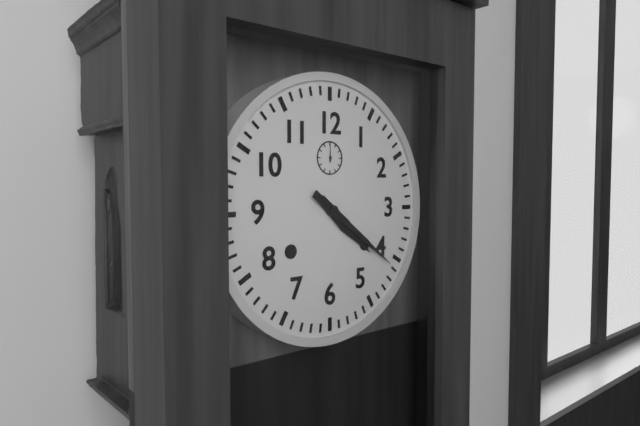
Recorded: 4:21
